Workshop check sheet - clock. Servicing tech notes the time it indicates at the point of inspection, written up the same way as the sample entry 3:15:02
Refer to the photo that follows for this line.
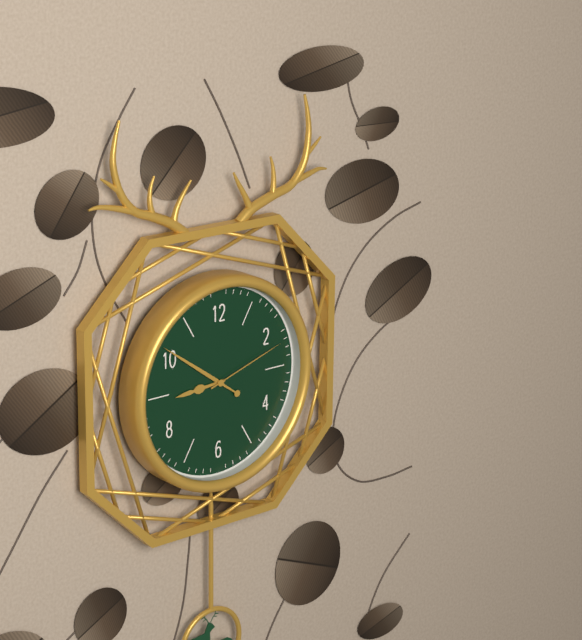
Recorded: 8:51:12
